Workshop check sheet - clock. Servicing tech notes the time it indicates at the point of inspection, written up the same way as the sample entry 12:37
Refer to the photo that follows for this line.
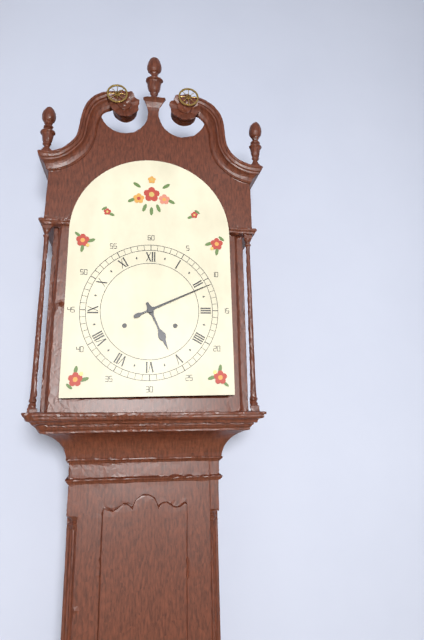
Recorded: 5:11
